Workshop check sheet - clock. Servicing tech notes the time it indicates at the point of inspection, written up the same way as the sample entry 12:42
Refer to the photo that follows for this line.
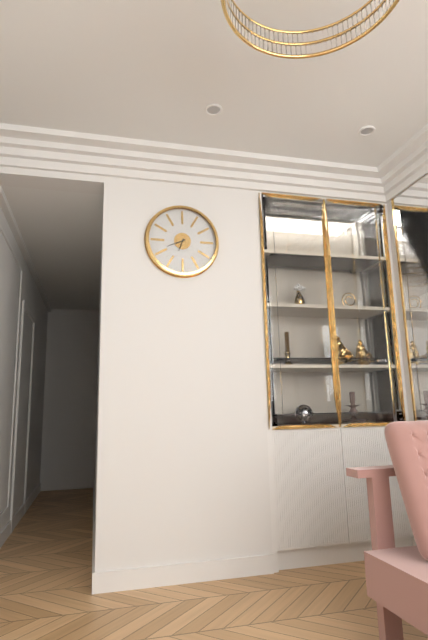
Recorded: 6:41
